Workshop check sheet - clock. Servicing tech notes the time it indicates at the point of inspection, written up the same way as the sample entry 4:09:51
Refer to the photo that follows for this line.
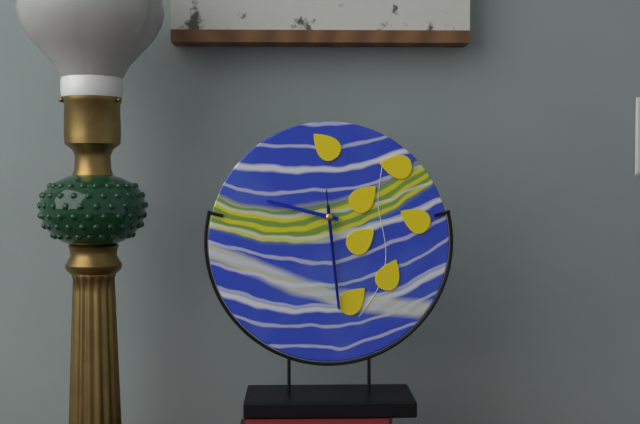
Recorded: 9:29:29
